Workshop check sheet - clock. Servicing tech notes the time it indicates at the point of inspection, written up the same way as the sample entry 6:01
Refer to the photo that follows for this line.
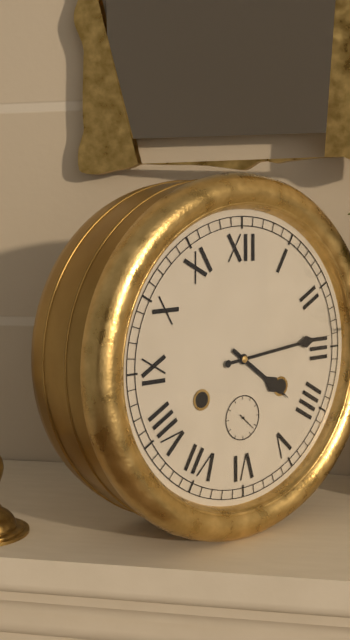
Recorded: 4:14
